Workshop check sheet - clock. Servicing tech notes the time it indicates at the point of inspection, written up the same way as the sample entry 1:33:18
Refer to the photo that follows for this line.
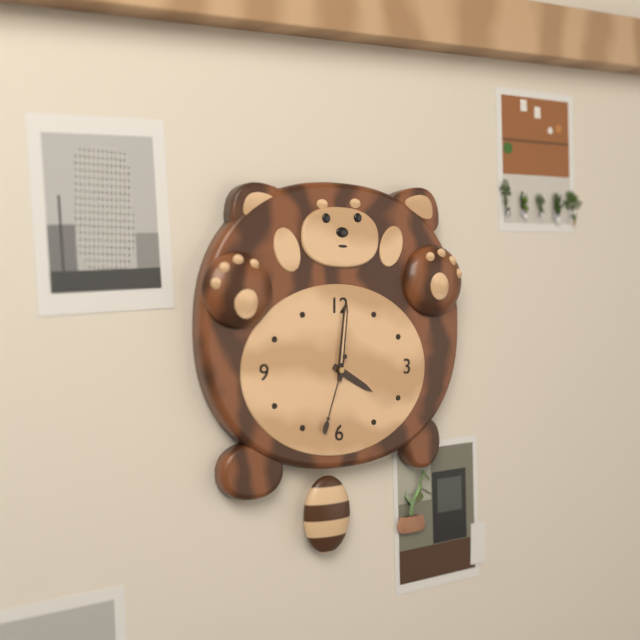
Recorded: 4:01:33
